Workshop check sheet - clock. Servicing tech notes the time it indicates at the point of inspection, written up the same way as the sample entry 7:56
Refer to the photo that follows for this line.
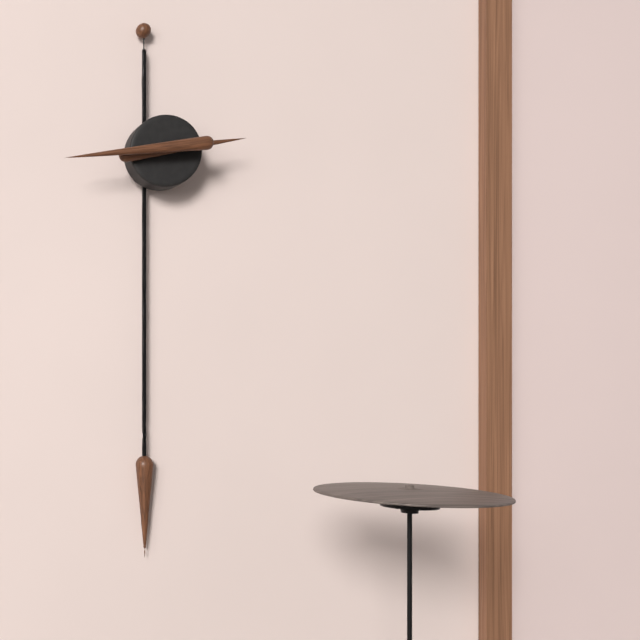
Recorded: 2:44
